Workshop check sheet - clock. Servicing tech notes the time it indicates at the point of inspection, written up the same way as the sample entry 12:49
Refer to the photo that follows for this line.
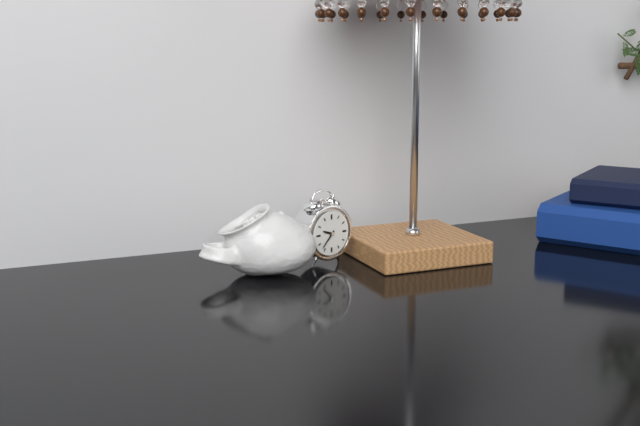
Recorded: 9:37
